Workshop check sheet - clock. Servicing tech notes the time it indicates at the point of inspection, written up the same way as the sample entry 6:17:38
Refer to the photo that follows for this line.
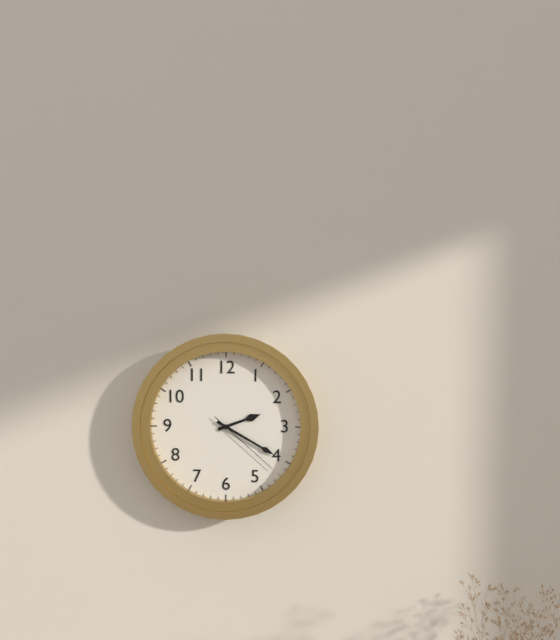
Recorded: 2:20:22
